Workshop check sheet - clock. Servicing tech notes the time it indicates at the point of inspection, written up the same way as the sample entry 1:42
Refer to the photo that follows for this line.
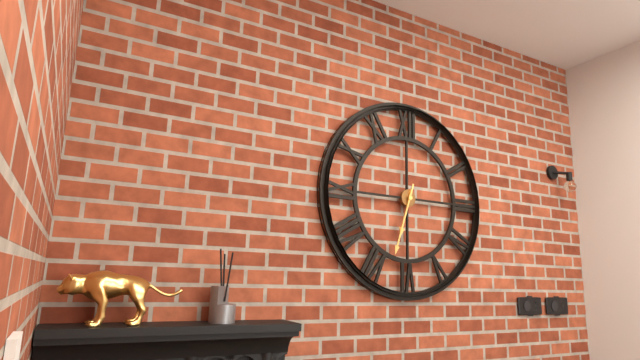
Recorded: 6:33
